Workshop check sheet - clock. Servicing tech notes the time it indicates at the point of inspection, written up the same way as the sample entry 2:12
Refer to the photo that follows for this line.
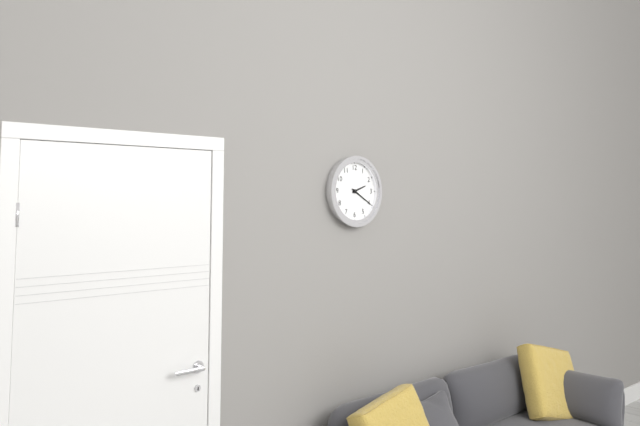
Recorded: 2:20
